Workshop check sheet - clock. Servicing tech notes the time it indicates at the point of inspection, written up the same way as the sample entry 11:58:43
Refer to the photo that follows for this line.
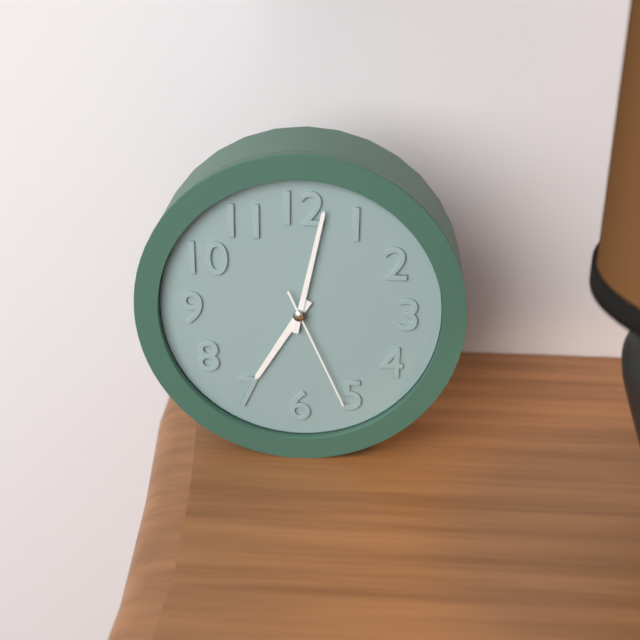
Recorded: 7:02:26
